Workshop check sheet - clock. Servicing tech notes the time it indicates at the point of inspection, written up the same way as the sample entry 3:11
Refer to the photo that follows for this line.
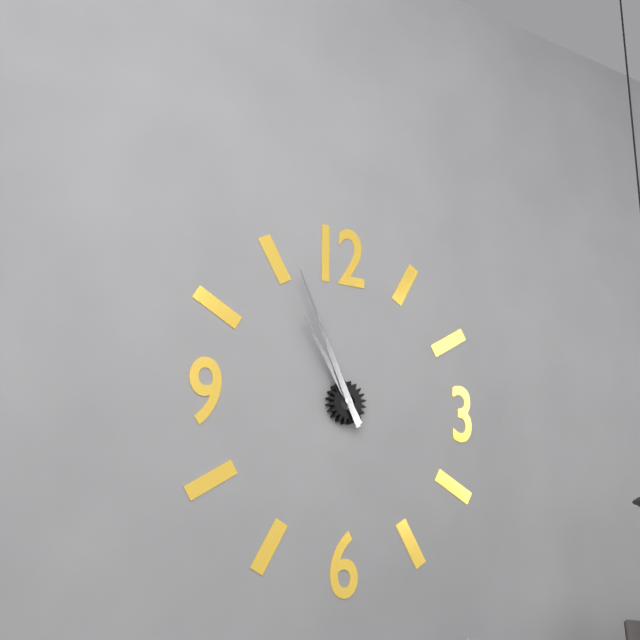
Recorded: 10:56
